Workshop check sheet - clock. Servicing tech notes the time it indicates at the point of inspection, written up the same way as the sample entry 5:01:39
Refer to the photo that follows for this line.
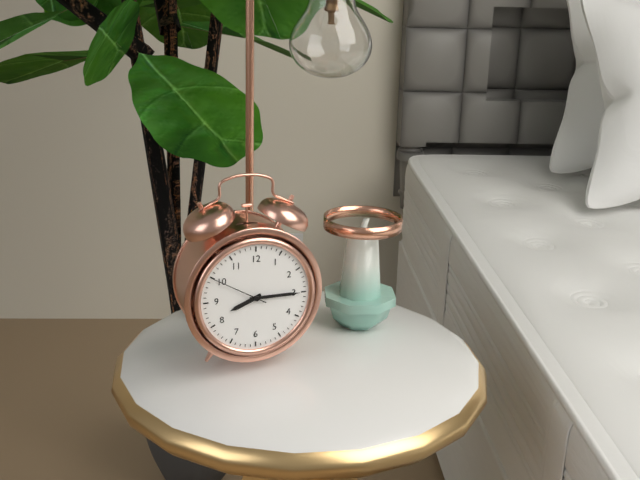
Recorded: 8:15:50
